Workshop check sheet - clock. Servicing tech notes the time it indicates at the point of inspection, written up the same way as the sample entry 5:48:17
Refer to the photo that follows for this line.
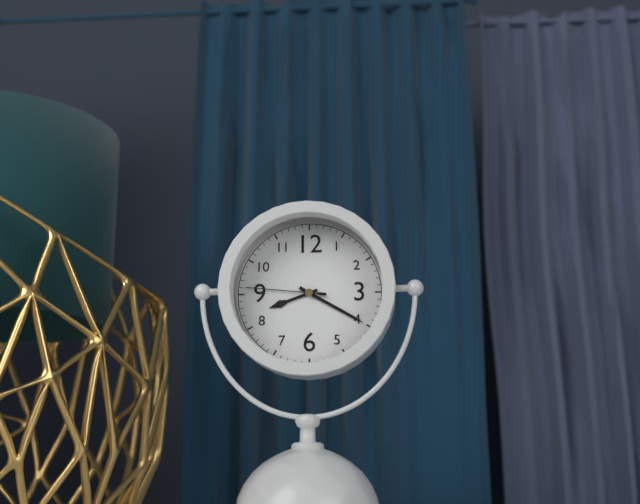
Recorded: 8:20:46
